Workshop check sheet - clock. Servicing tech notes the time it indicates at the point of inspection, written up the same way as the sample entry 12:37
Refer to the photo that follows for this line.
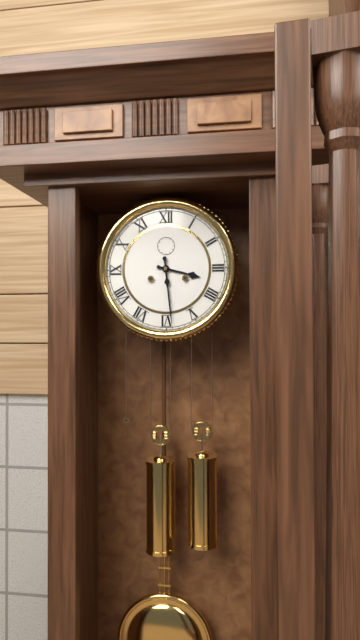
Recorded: 3:29
